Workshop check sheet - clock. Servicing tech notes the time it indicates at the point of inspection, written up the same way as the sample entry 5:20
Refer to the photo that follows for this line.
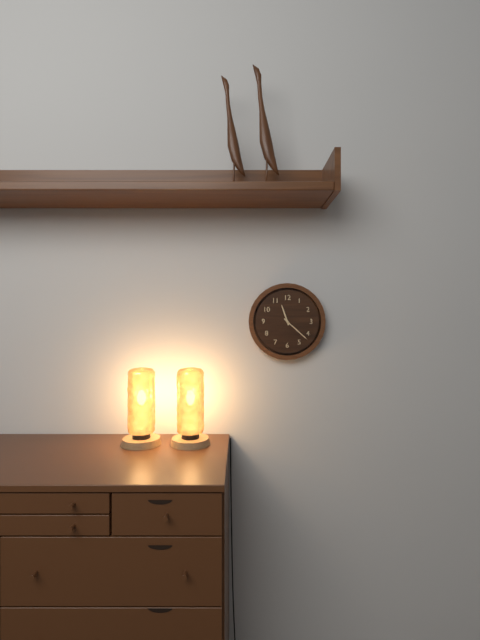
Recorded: 11:22
